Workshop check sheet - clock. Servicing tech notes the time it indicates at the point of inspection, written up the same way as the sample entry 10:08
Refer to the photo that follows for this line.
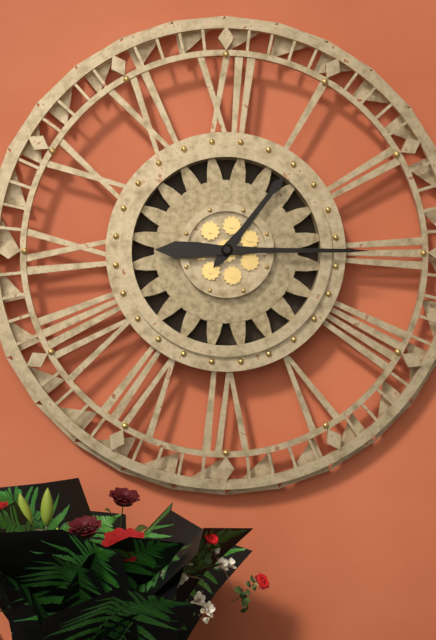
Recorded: 1:15
